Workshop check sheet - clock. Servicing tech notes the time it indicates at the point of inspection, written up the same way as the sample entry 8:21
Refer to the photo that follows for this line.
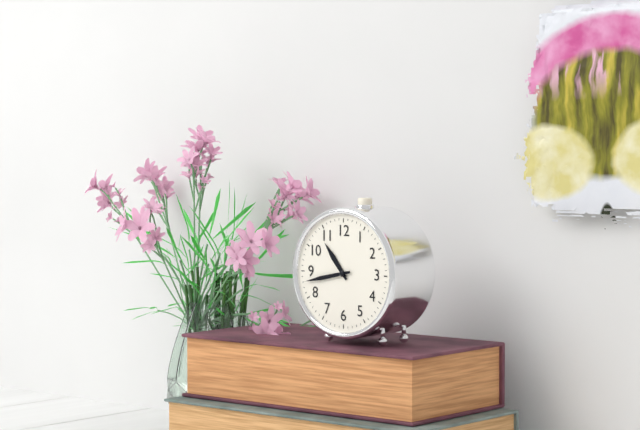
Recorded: 10:43
